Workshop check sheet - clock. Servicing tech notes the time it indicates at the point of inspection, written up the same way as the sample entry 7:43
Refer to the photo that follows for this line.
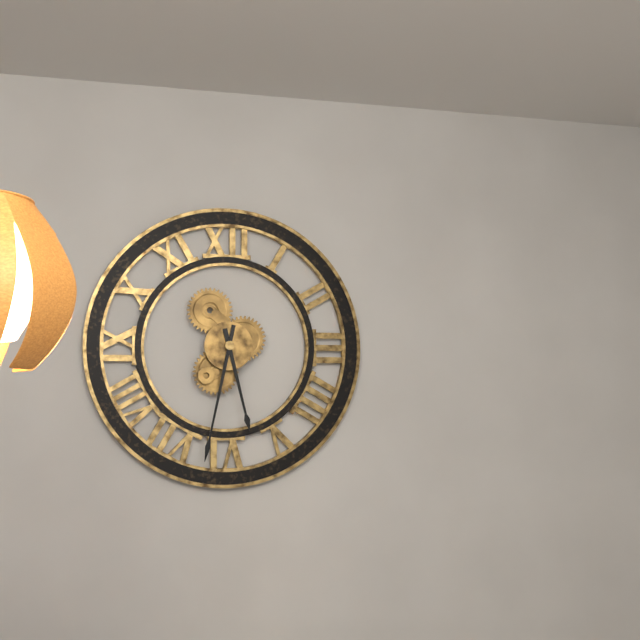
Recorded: 5:32
